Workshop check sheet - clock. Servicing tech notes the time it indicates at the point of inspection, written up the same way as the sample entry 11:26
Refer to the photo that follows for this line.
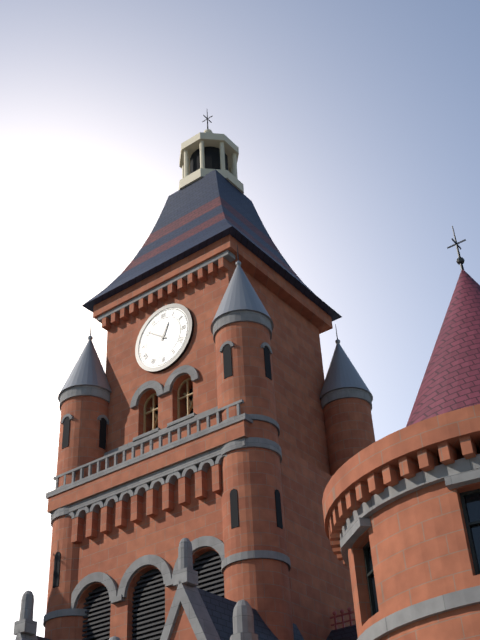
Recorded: 12:51
